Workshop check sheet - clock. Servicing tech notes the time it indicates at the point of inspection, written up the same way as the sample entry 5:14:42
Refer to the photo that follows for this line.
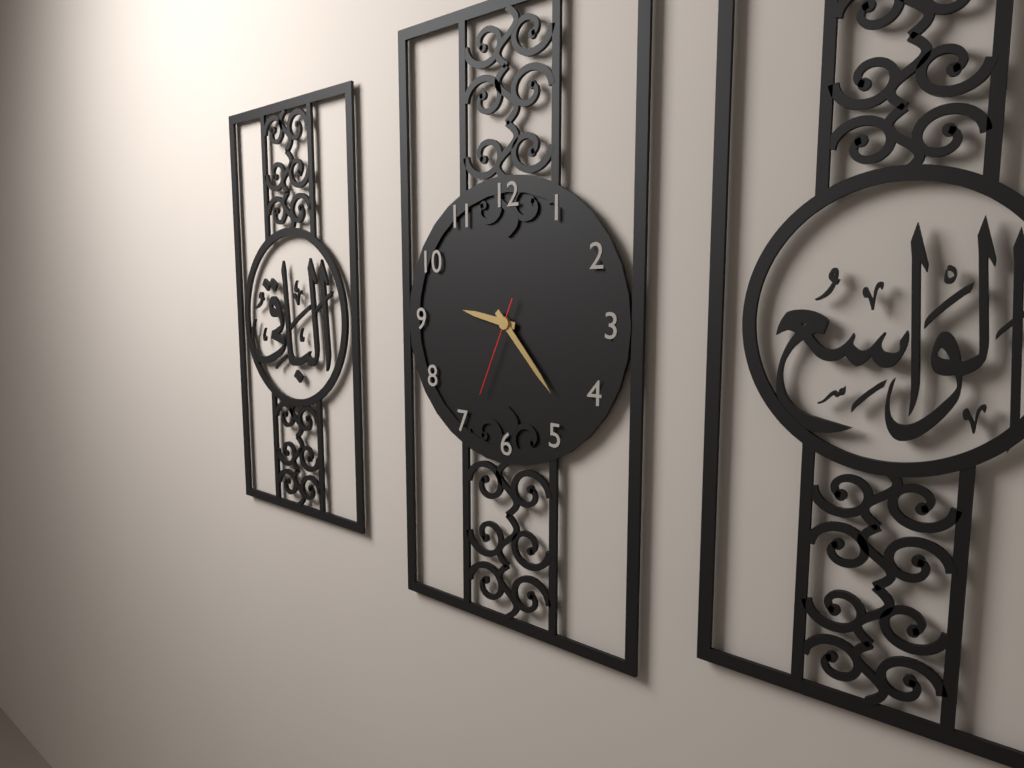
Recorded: 9:23:34
